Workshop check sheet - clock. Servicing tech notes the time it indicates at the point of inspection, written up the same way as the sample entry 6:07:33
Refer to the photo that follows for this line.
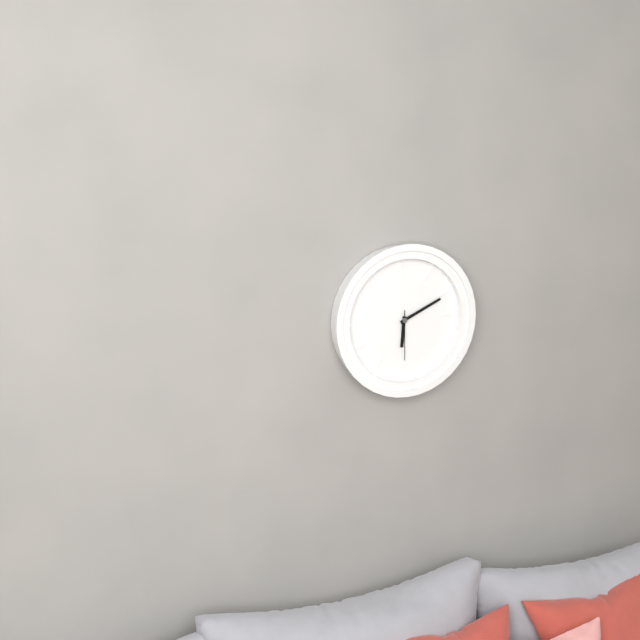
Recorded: 6:11:30
